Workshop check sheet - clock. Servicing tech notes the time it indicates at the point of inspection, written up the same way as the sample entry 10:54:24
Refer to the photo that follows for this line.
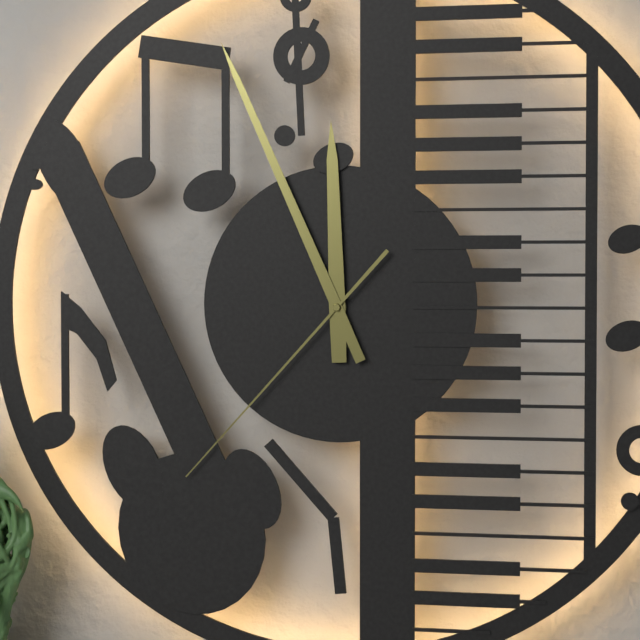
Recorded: 11:56:37
